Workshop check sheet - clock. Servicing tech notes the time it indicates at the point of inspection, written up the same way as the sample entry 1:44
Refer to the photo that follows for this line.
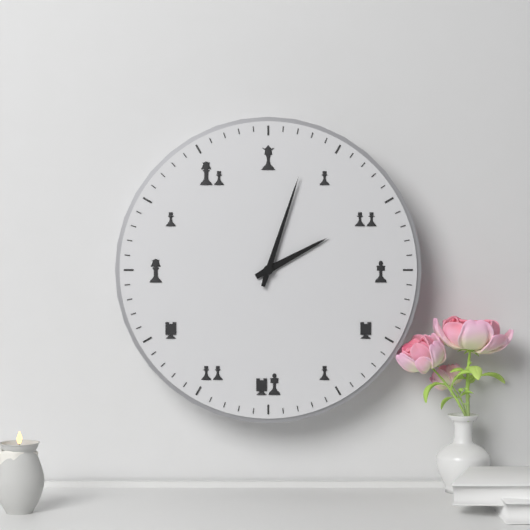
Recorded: 2:03
